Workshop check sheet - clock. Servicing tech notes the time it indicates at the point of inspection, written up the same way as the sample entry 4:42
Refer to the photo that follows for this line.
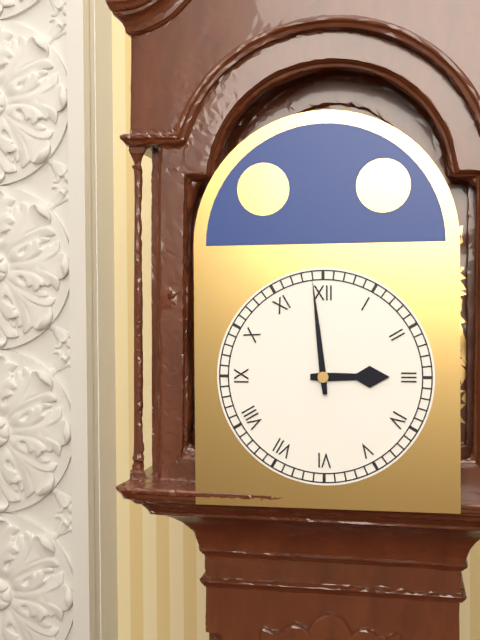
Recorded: 2:59
